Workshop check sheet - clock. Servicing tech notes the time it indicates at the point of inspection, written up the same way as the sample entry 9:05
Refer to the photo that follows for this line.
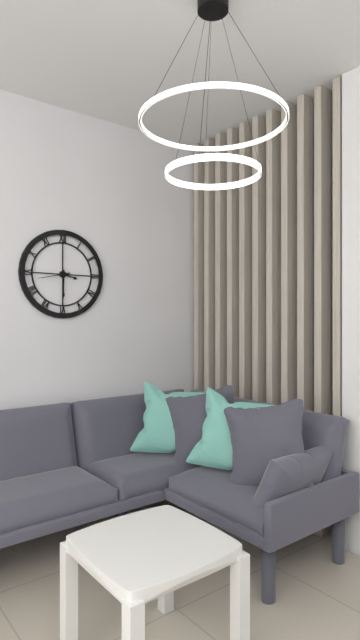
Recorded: 3:30
